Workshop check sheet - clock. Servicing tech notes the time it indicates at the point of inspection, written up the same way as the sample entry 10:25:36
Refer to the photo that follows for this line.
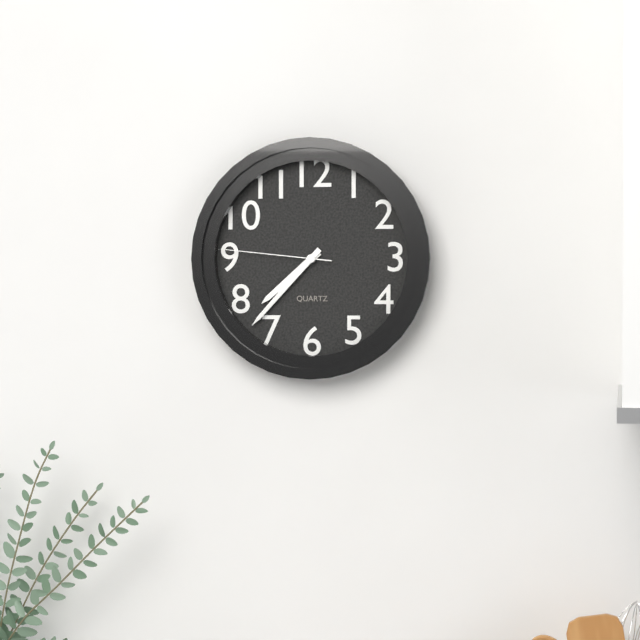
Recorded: 7:37:46
